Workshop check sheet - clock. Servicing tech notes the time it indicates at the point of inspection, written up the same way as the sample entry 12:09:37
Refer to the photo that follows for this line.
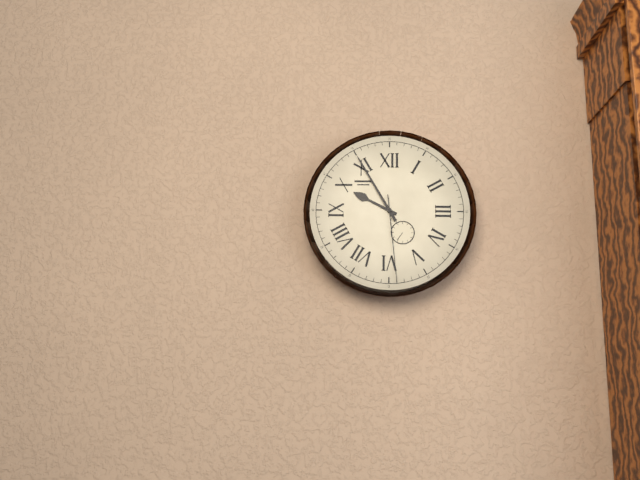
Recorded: 9:55:29
